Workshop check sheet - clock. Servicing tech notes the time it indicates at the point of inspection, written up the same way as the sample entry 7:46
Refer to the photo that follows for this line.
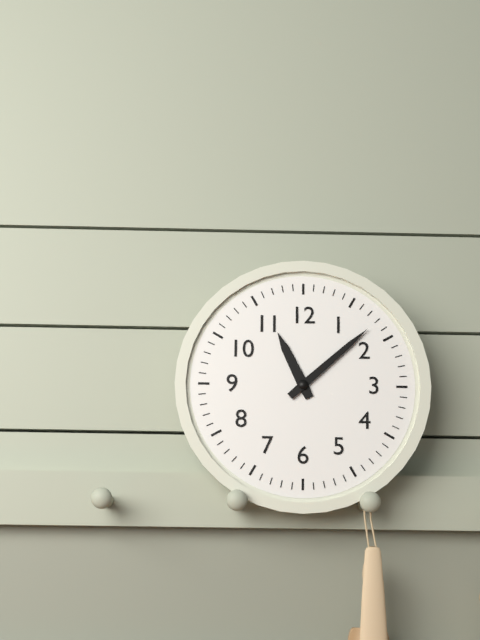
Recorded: 11:08
